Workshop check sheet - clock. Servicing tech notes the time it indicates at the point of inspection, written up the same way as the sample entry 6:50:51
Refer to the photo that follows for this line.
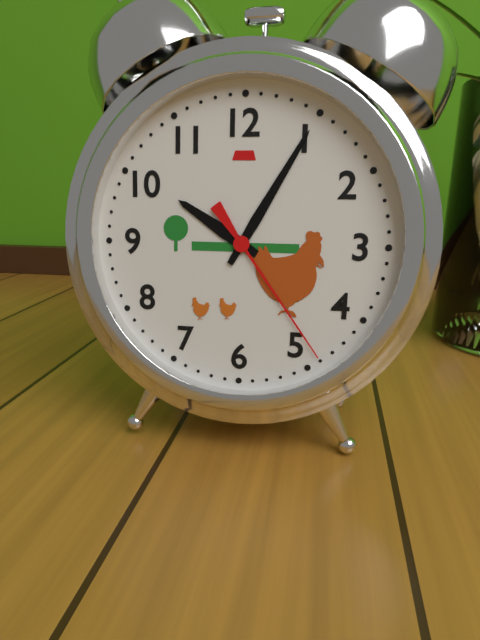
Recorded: 10:05:24
